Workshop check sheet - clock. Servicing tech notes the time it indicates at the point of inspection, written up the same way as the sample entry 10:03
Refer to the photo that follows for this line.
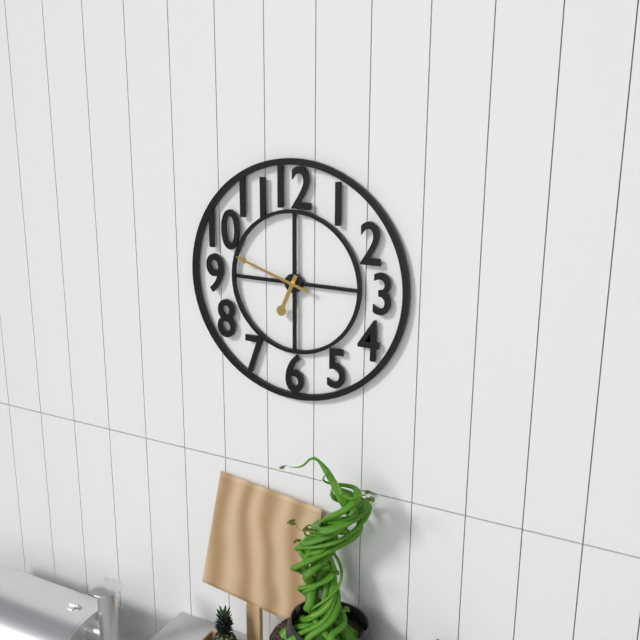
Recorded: 6:48
